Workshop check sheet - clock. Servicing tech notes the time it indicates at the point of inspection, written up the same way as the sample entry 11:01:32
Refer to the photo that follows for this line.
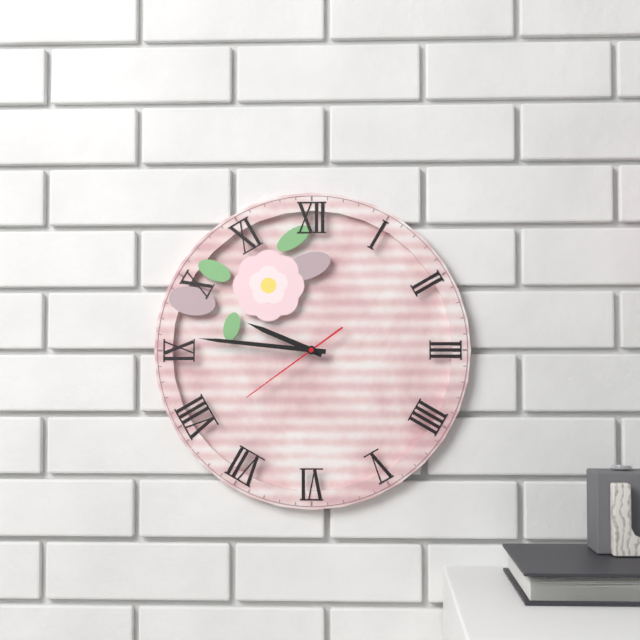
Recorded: 9:46:39
